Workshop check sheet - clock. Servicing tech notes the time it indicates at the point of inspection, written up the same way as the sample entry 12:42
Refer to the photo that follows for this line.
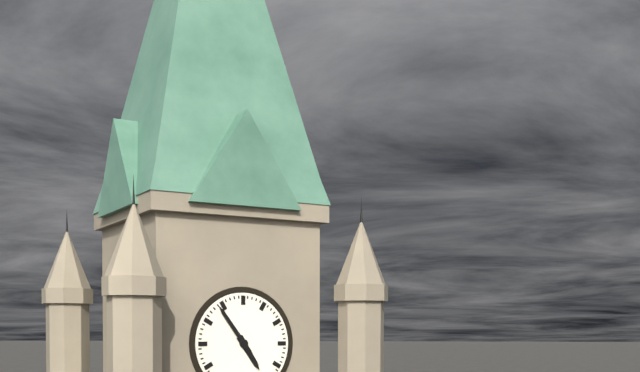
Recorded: 4:54
